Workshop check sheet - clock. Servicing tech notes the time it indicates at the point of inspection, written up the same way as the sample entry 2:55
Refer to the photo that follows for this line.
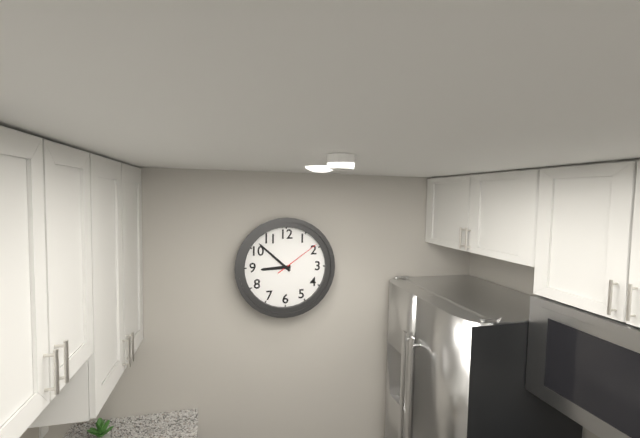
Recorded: 8:52
